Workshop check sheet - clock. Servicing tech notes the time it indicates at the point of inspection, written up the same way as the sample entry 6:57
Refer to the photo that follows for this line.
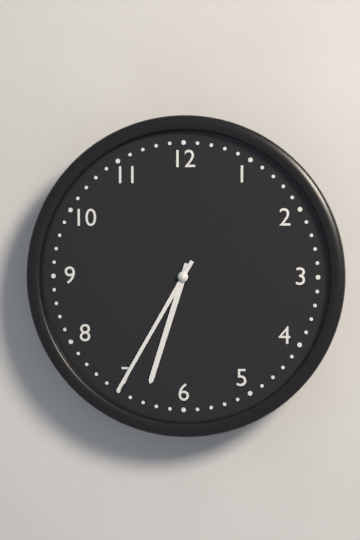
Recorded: 6:35
